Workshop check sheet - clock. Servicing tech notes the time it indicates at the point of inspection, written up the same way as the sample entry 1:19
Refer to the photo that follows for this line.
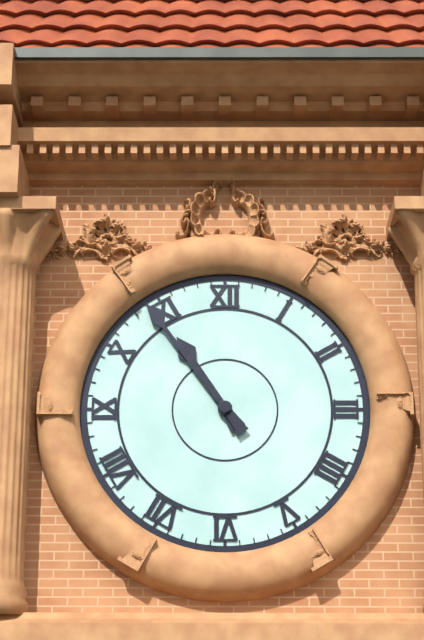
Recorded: 10:54
